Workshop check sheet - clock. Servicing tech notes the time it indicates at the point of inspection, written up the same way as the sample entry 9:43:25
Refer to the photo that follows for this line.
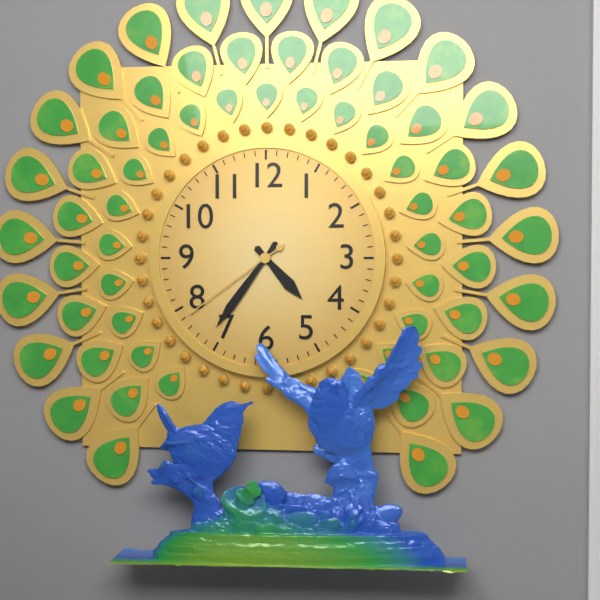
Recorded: 4:36:39
